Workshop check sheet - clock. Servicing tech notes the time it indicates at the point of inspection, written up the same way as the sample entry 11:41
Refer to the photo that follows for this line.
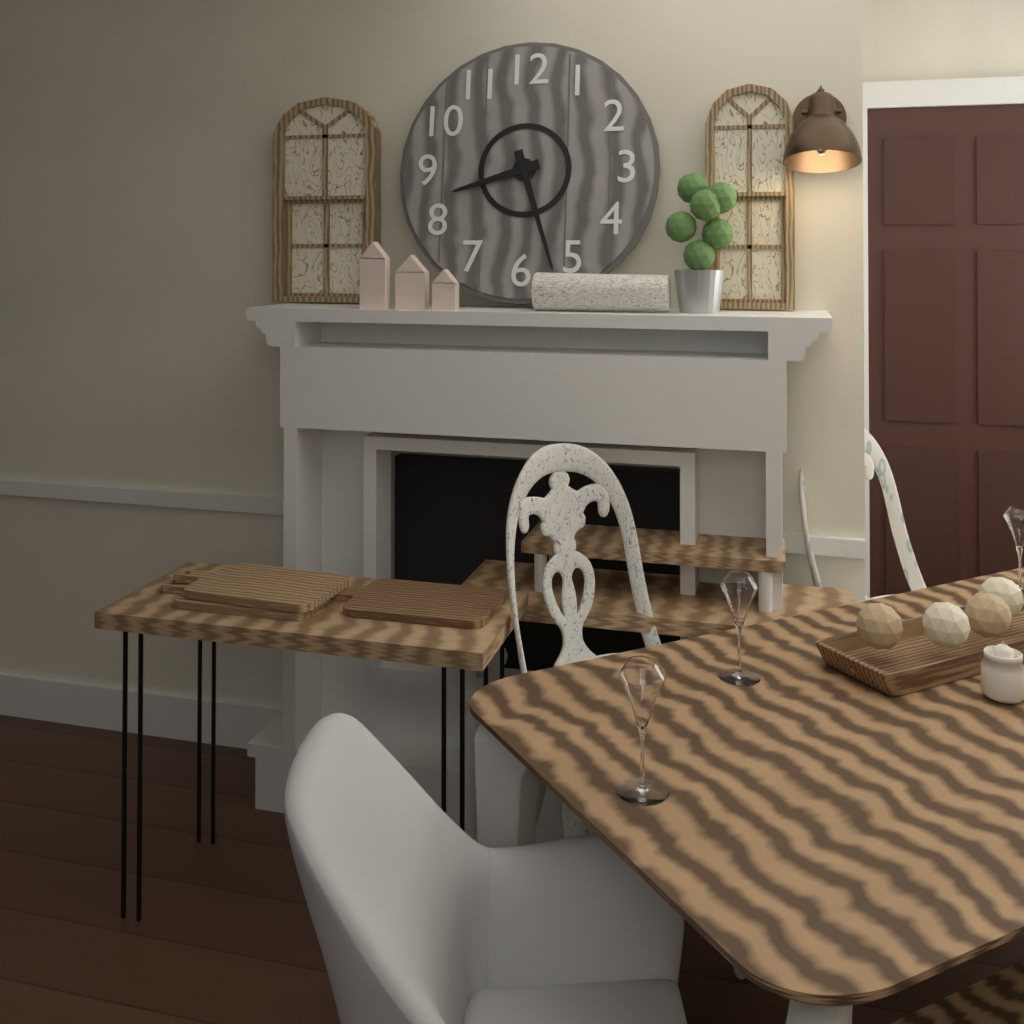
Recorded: 8:27
